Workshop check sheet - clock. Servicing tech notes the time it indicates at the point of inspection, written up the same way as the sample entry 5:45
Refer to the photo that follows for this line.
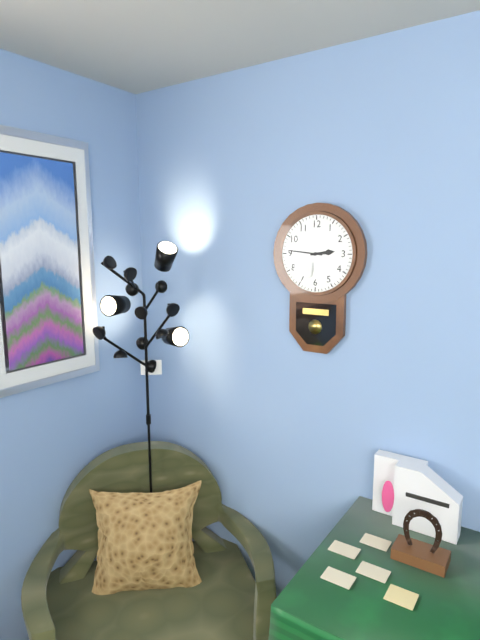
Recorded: 2:46
